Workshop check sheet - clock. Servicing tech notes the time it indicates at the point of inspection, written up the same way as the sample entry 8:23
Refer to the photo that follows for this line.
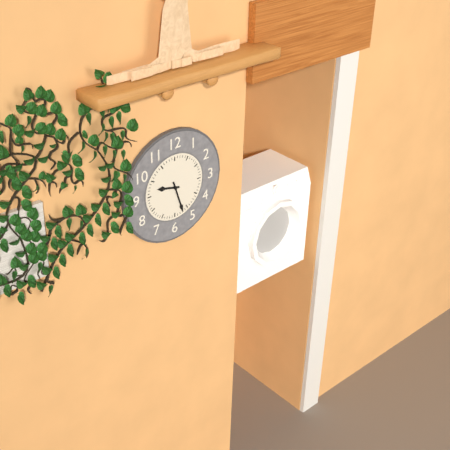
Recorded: 9:27
